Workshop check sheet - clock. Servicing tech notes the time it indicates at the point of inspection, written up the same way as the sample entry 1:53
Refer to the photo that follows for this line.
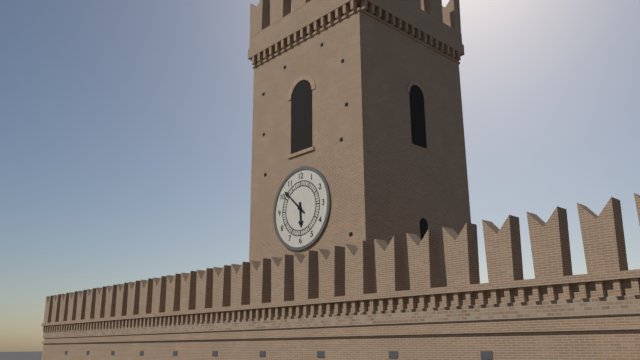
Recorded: 5:52
